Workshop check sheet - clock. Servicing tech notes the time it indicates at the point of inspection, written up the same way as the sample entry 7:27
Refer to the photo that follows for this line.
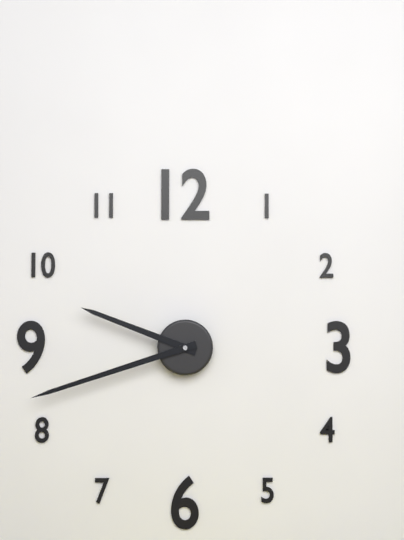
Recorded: 9:42
